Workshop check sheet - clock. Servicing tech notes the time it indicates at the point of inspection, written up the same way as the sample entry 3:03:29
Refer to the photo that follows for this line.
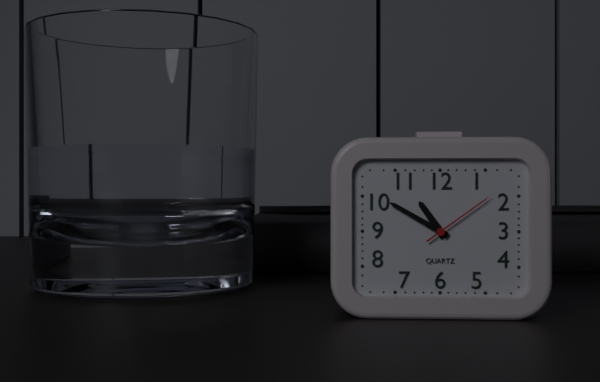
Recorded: 10:50:09
